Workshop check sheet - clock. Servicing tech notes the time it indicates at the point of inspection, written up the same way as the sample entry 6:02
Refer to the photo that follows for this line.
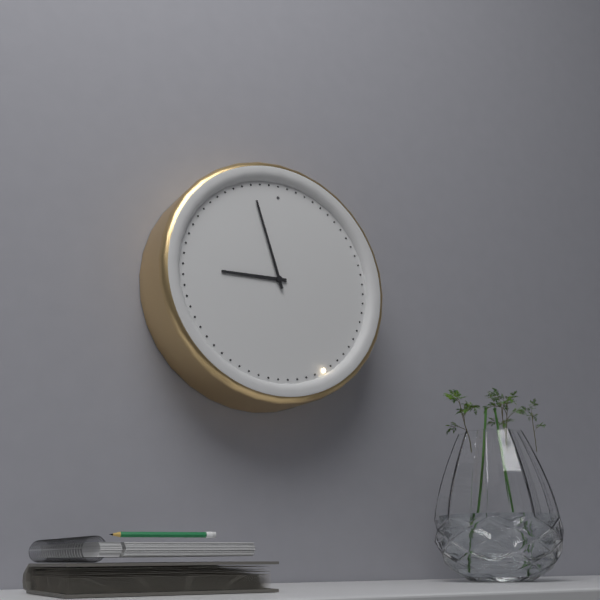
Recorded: 8:57
